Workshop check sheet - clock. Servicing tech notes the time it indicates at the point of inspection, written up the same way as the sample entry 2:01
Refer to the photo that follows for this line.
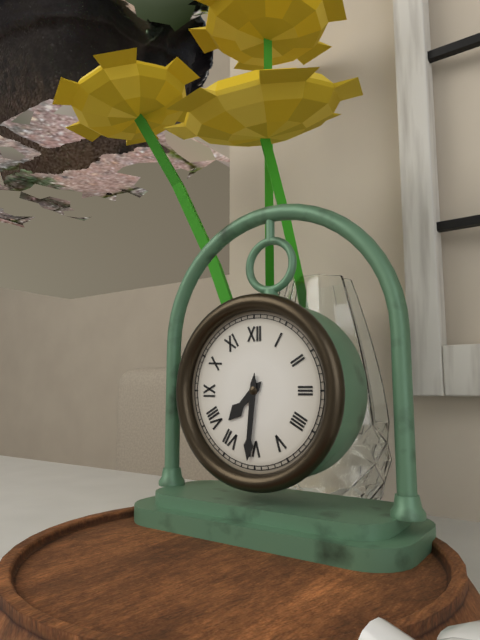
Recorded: 7:31
